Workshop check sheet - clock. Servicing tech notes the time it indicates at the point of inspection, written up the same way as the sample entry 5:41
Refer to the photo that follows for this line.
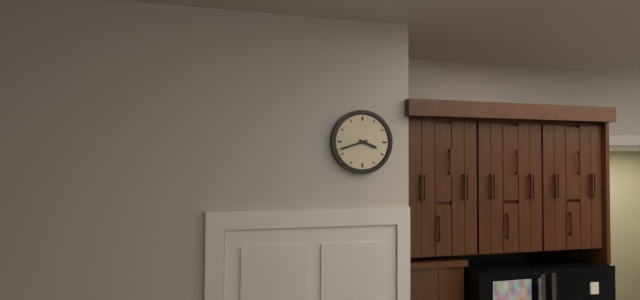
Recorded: 3:42
